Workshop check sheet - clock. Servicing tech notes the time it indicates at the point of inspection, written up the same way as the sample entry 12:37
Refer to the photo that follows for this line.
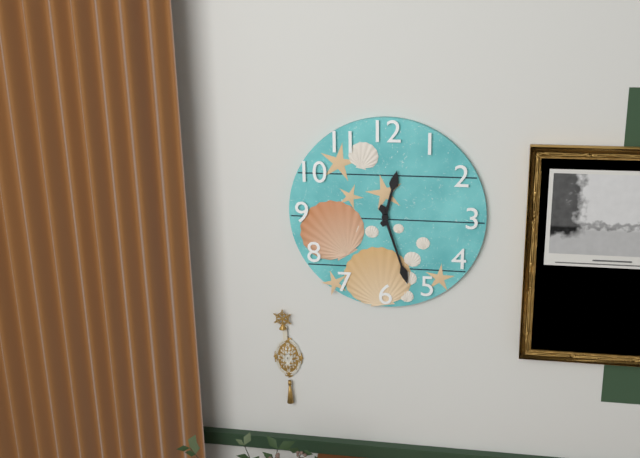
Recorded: 12:27
